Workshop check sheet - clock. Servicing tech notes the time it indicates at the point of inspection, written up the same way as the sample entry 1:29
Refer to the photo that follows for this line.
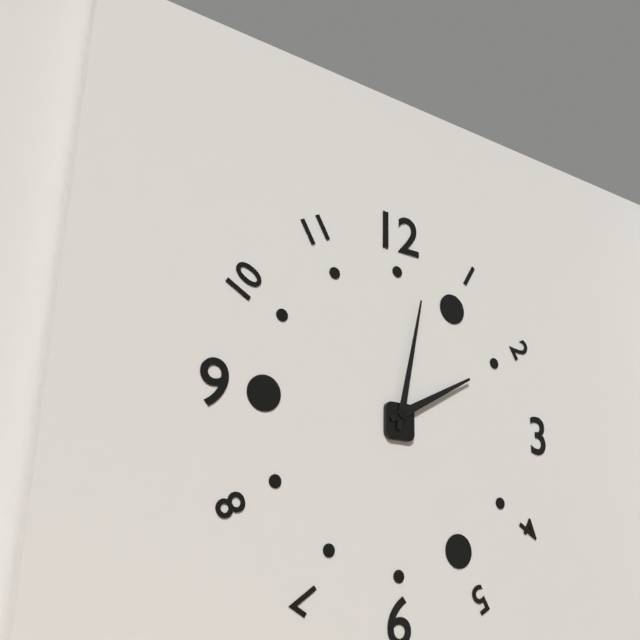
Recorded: 2:02
